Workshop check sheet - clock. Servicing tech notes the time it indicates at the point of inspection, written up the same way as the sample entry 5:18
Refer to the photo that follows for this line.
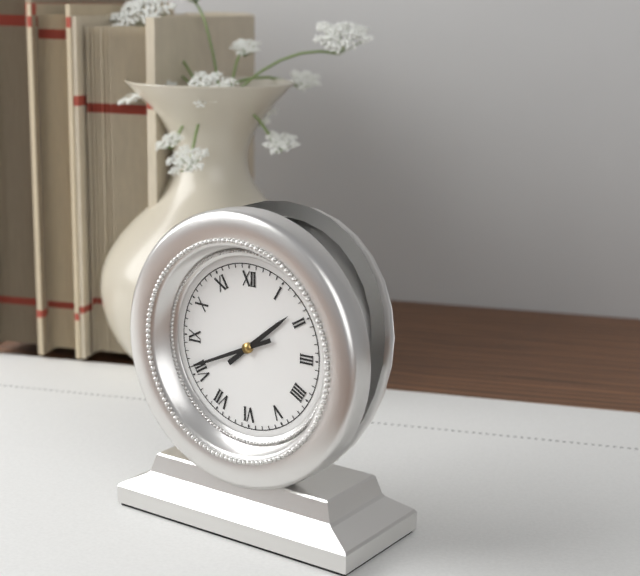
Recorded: 1:41
